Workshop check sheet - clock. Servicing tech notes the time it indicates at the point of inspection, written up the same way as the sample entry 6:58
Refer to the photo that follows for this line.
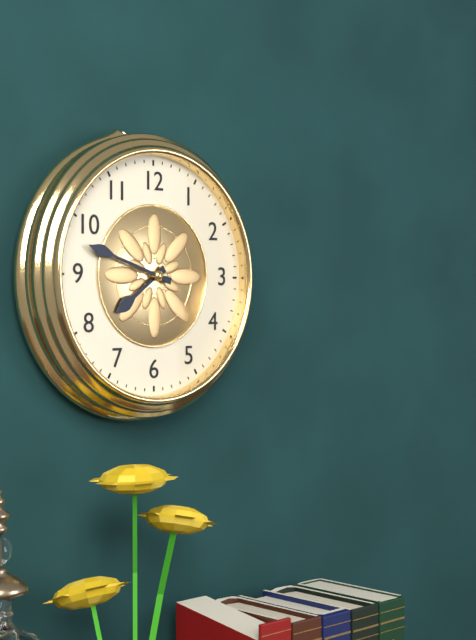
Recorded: 7:48
